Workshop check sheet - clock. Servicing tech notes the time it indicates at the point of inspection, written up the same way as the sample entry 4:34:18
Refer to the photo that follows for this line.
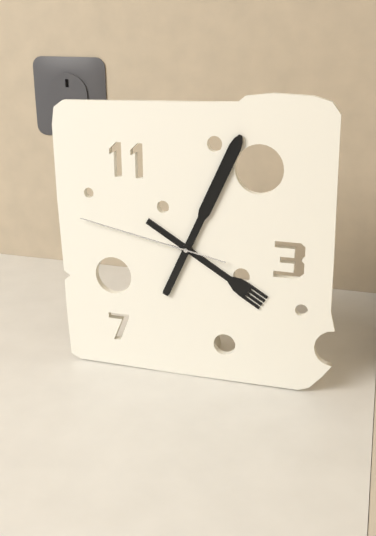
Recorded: 4:04:47
